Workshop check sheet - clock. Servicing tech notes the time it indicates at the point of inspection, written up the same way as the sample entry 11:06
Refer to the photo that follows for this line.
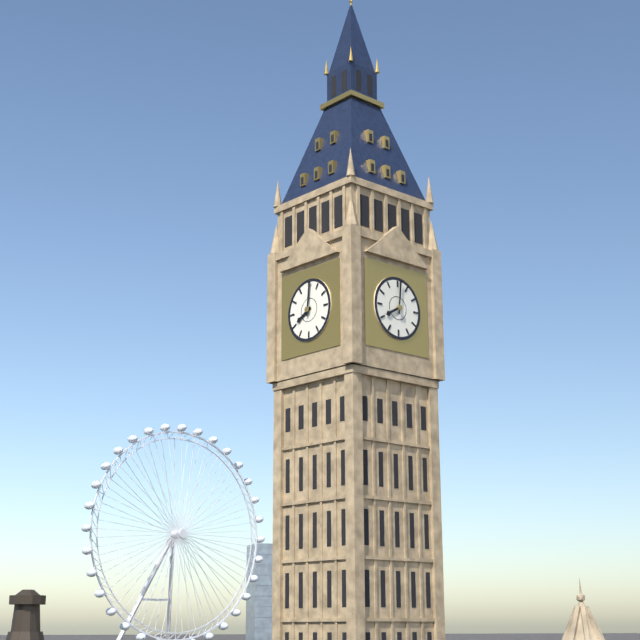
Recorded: 8:01
